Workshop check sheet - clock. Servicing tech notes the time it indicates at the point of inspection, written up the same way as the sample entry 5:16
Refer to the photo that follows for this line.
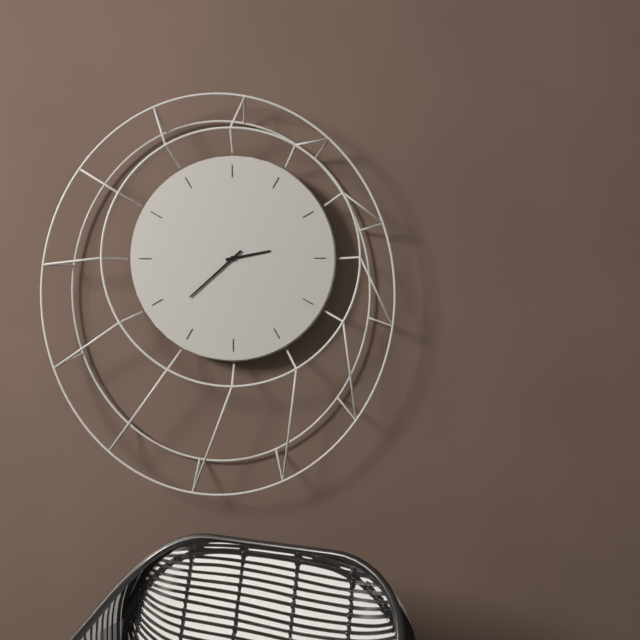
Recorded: 2:38
